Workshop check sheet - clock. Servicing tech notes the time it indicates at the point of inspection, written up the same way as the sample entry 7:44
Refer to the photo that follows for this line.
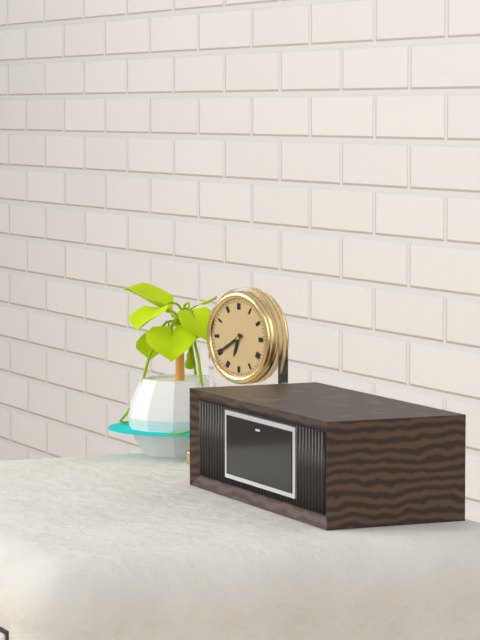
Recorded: 6:40
